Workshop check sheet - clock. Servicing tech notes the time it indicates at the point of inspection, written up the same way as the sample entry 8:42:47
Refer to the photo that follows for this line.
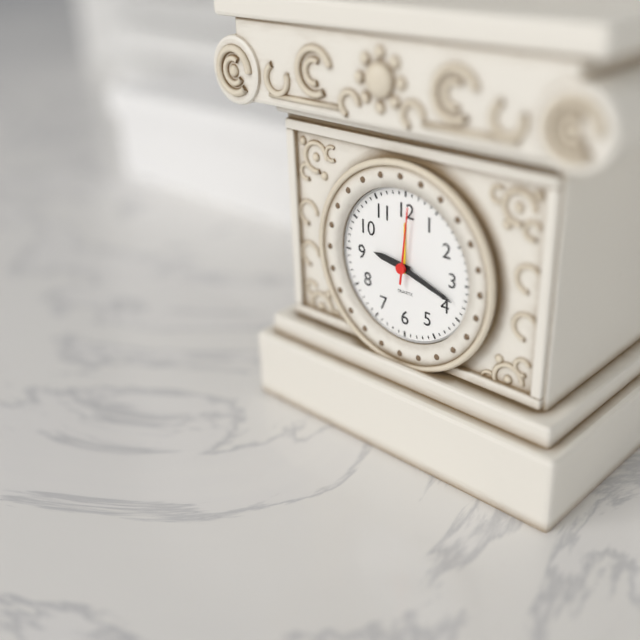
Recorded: 9:18:01
